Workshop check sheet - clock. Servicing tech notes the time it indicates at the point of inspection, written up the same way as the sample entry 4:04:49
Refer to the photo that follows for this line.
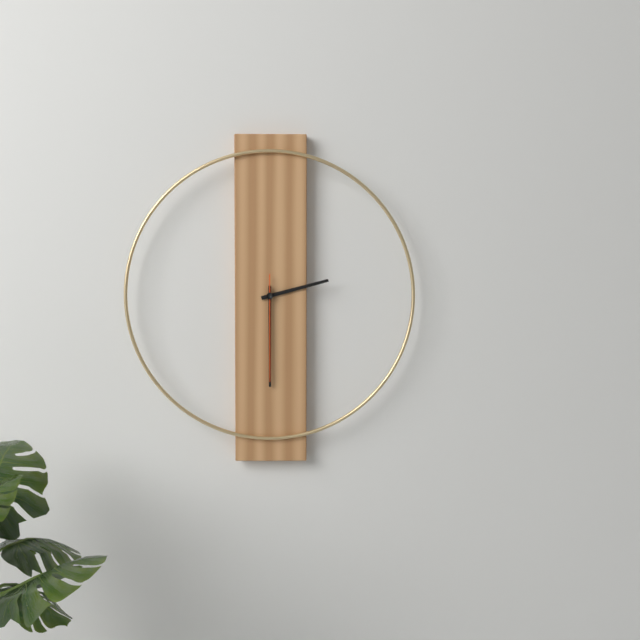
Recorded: 2:30:30
